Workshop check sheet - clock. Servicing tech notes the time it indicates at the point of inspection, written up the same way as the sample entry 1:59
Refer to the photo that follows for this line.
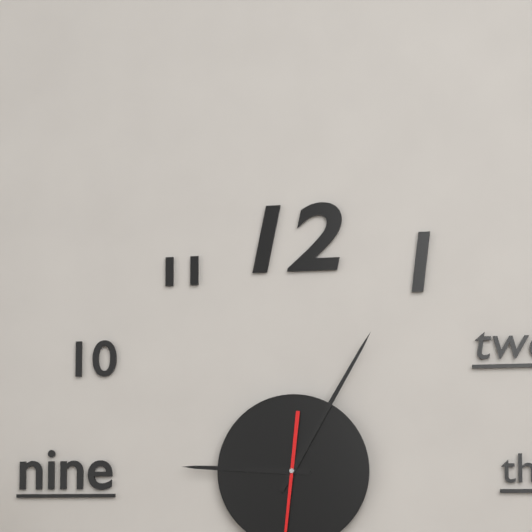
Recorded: 9:05
